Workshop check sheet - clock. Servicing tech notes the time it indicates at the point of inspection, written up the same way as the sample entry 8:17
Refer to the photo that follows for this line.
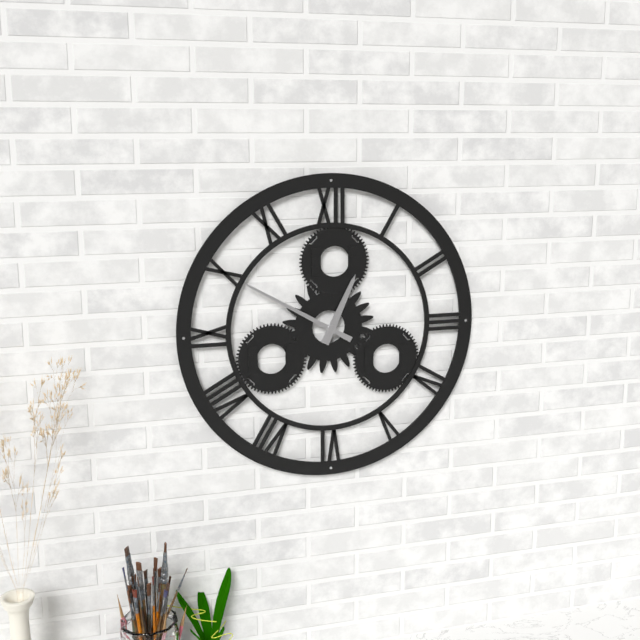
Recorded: 12:50
